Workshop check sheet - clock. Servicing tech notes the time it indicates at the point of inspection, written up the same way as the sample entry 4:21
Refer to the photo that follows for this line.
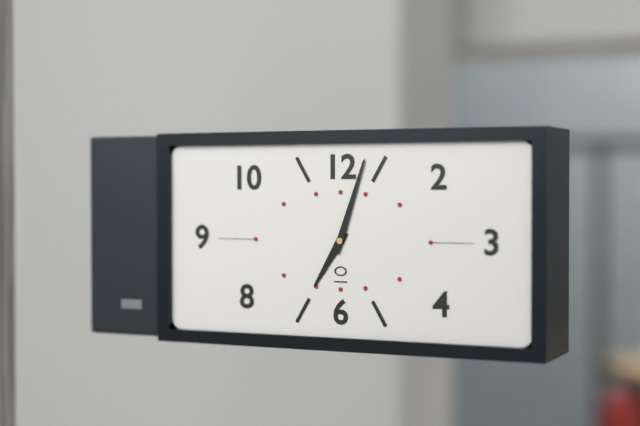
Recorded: 7:03
